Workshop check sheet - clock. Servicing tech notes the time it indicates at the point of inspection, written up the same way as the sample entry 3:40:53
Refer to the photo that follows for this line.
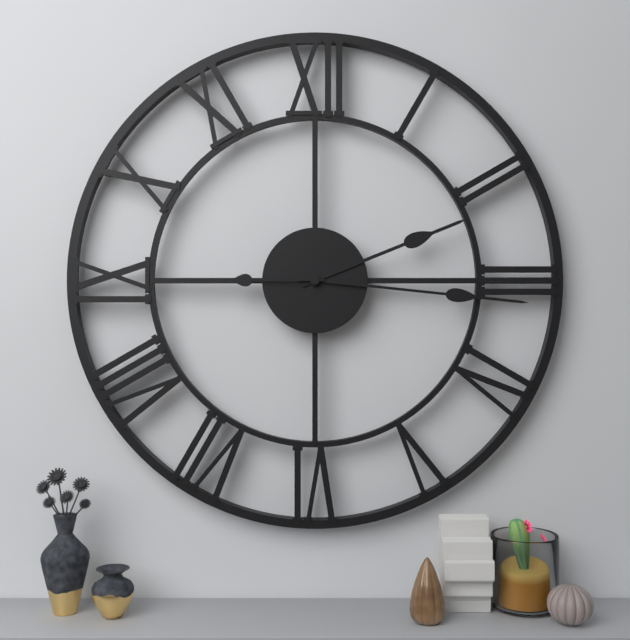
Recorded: 2:16:45
